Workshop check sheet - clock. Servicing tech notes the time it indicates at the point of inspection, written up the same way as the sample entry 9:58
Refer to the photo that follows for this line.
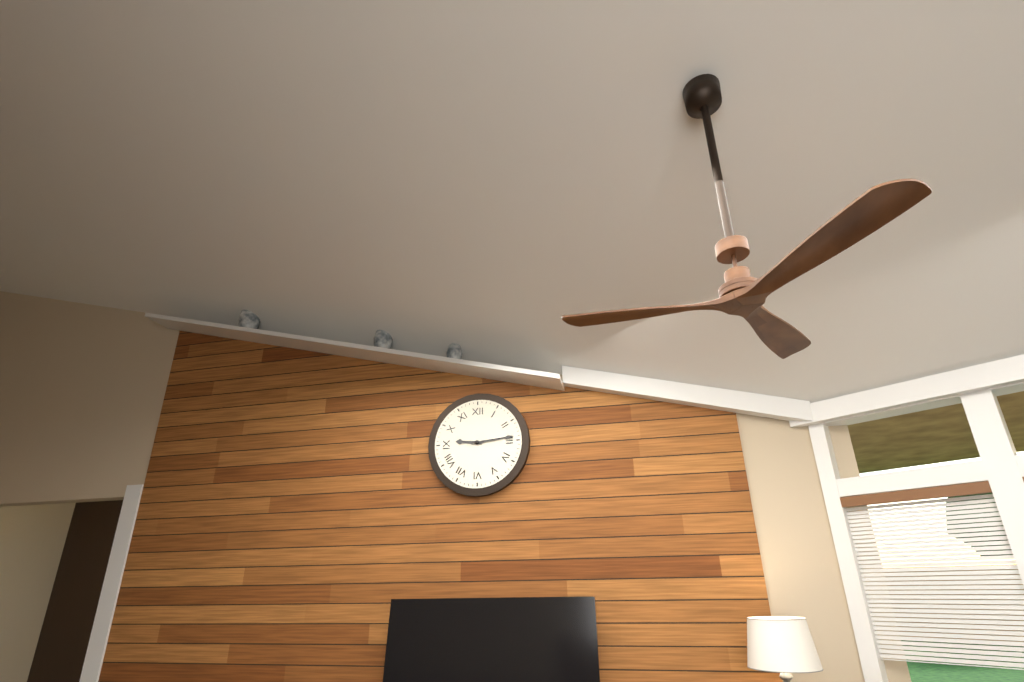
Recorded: 9:14
